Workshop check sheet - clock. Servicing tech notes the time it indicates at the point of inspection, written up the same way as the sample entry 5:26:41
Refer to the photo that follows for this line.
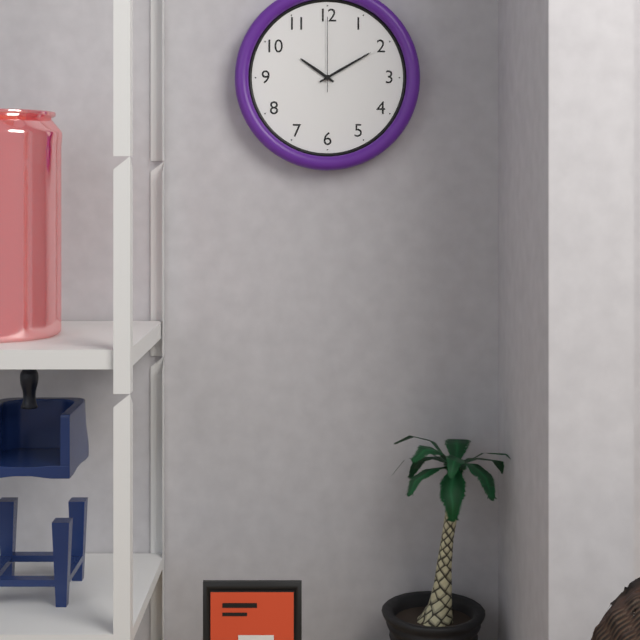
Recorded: 10:10:00
